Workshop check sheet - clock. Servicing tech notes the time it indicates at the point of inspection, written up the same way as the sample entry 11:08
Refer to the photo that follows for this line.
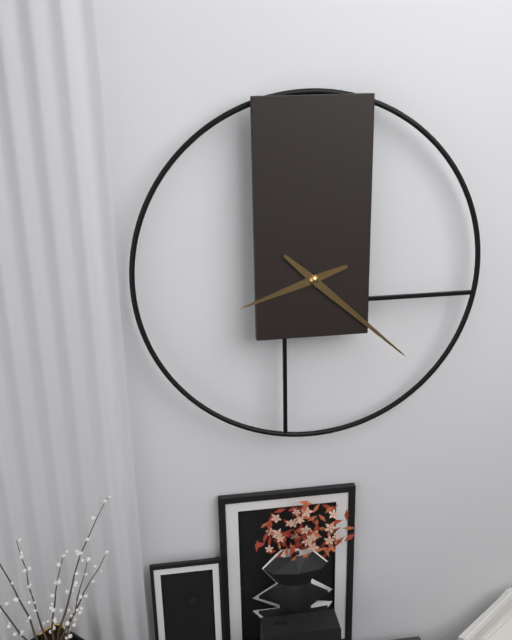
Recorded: 8:22
